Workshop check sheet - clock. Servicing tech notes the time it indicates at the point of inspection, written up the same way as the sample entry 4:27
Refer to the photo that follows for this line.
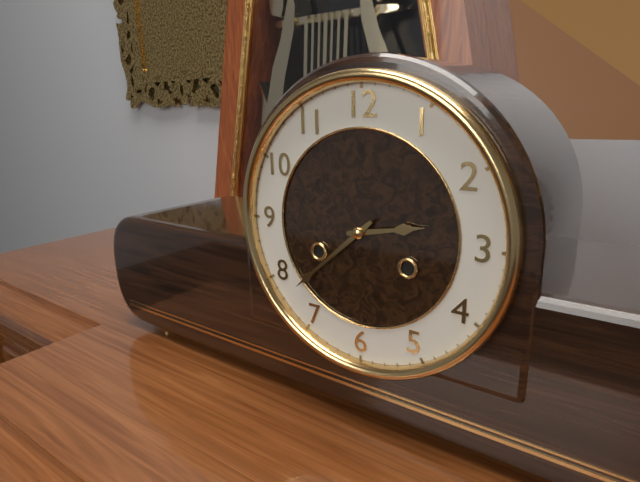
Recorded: 2:38
